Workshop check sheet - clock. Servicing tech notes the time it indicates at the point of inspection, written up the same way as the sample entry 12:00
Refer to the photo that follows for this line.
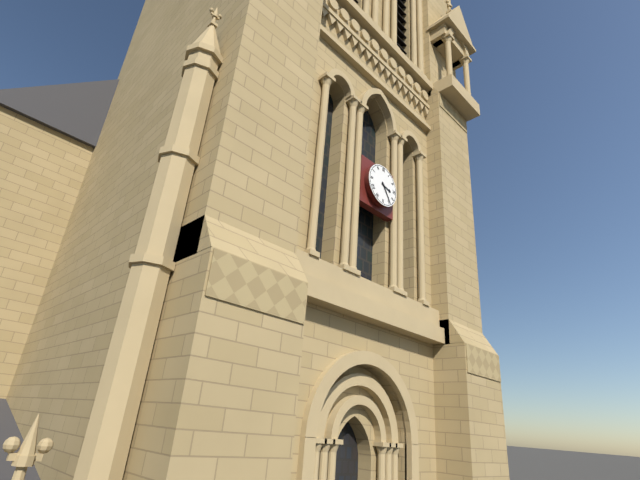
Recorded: 3:24
